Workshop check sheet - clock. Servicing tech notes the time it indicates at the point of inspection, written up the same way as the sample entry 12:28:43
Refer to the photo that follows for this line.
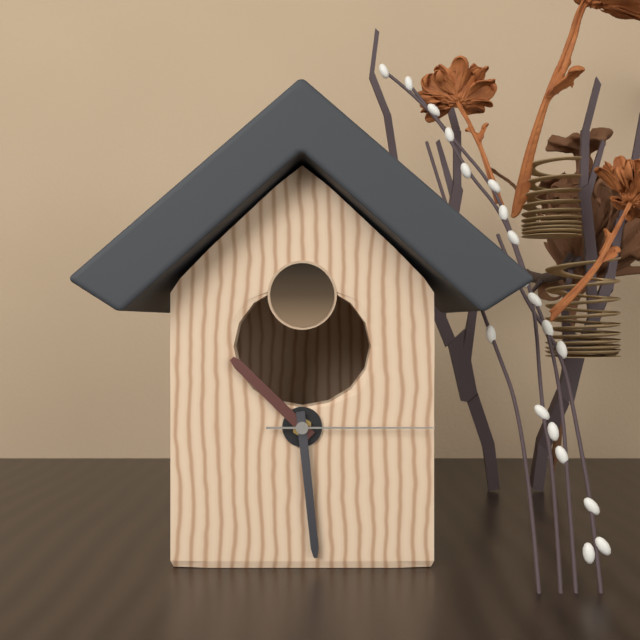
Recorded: 10:29:15
